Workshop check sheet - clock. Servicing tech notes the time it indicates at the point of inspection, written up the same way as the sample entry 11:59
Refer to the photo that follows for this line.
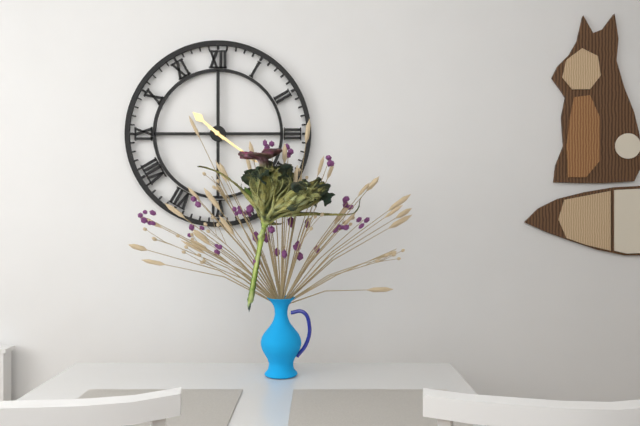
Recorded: 10:21
